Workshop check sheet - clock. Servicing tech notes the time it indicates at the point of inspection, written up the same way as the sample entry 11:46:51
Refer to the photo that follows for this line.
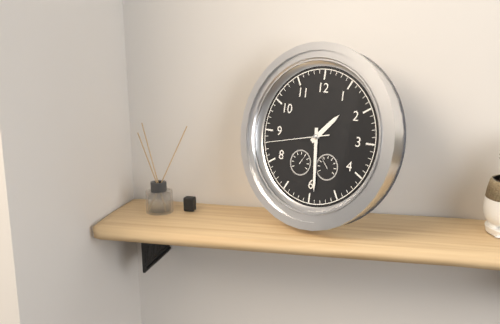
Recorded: 1:29:43
